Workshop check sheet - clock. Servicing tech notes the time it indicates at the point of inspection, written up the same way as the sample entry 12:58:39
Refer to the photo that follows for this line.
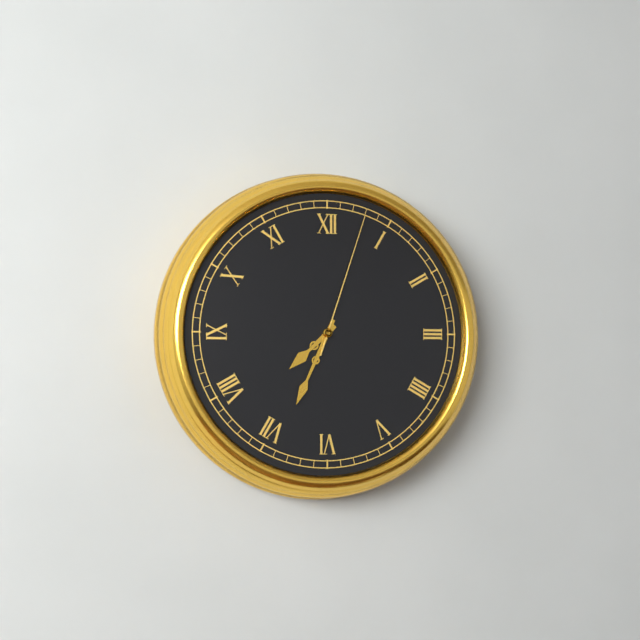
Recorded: 7:34:03
